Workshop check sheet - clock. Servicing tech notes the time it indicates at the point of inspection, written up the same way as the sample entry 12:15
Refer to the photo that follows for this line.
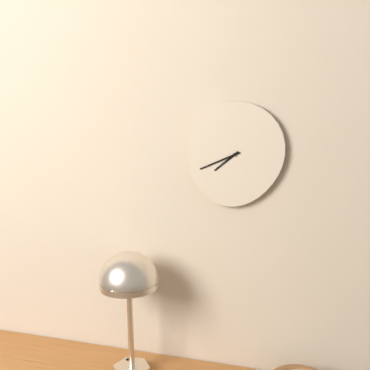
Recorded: 7:41
